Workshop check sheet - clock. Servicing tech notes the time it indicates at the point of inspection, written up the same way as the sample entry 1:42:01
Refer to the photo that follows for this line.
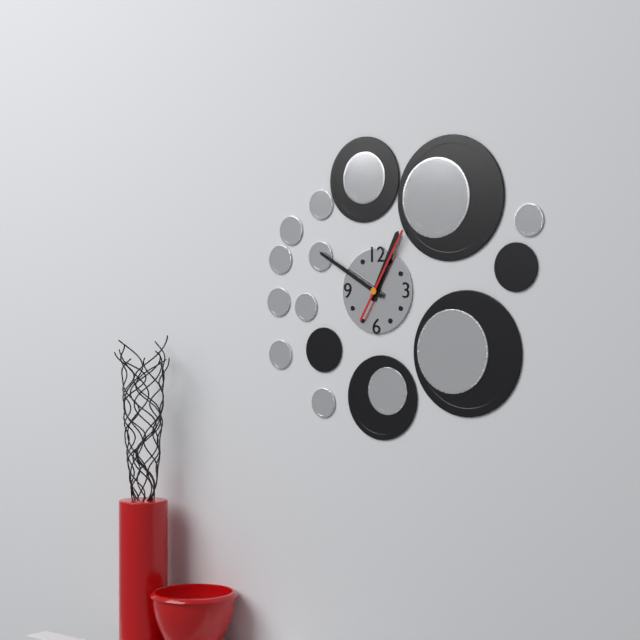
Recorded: 12:50:05
